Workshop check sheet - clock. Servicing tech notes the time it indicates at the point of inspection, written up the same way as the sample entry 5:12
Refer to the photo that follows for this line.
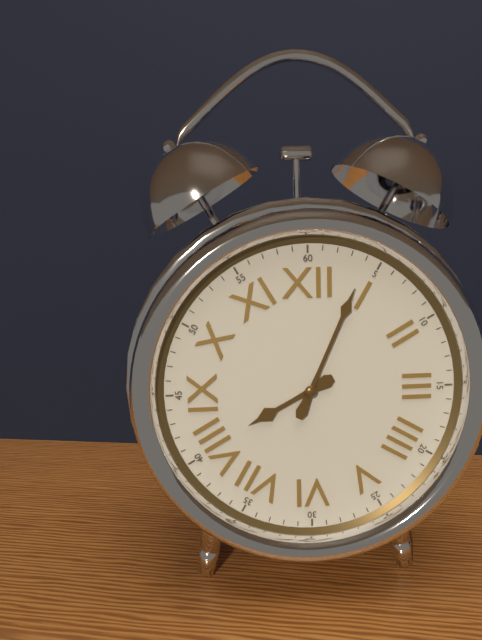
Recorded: 8:04
